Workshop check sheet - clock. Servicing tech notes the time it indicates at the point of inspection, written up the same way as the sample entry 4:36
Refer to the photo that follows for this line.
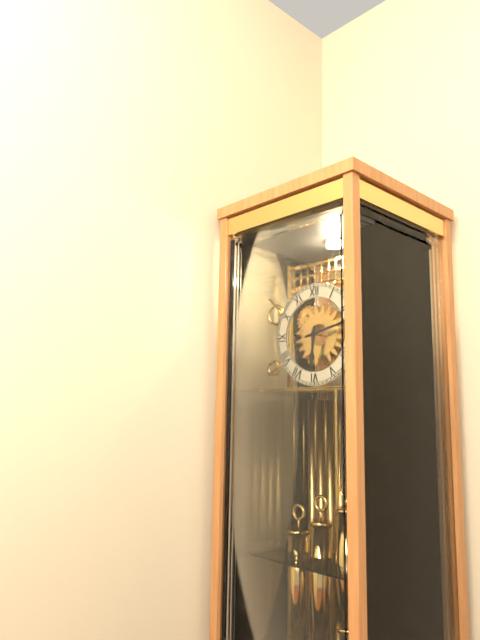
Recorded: 6:13
